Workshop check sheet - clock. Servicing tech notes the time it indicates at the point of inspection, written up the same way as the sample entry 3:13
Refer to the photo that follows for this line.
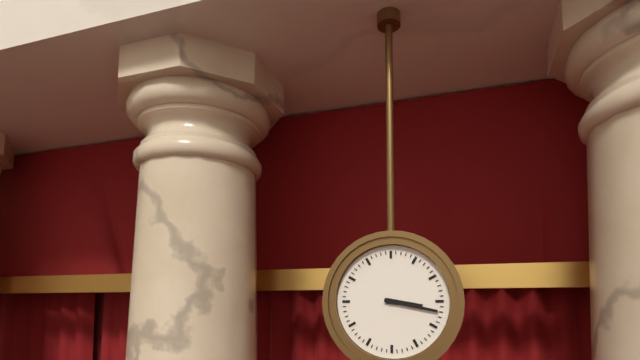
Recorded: 3:17
